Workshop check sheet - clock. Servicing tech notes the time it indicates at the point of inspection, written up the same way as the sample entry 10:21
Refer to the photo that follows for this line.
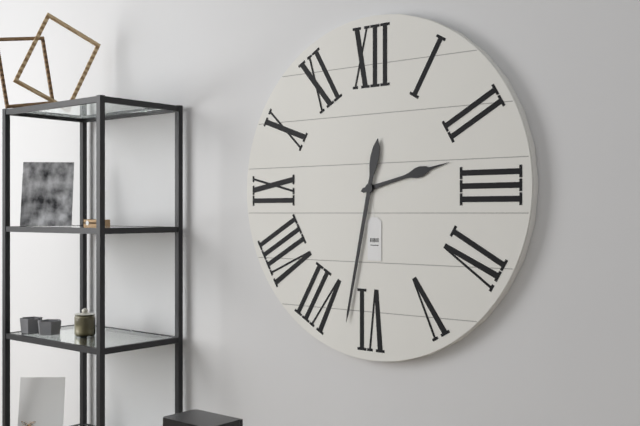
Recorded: 2:32
